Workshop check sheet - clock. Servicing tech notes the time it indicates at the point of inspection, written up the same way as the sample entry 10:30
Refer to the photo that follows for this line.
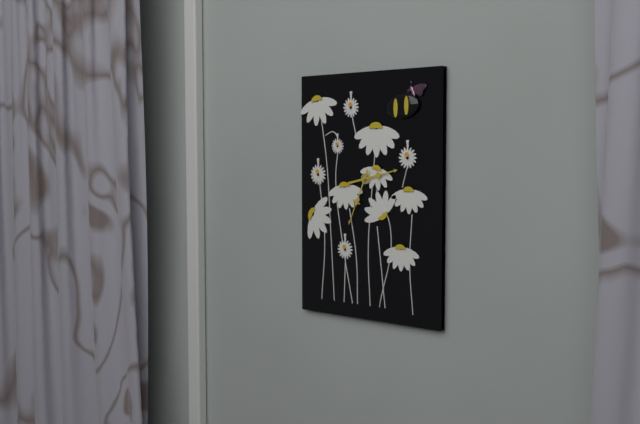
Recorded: 2:34
